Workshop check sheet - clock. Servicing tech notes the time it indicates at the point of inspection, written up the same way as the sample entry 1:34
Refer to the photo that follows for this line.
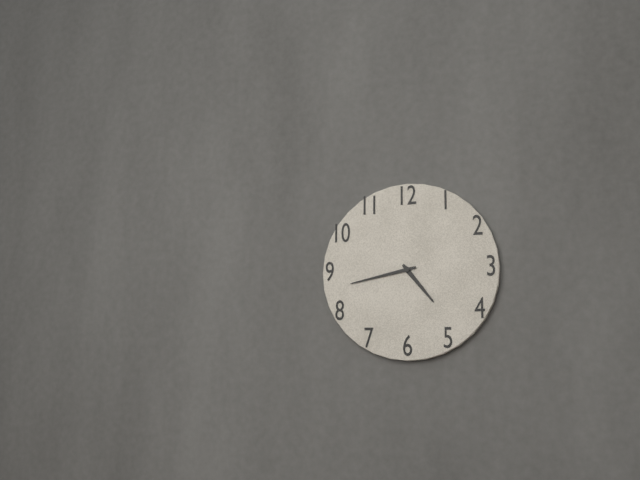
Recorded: 4:43
